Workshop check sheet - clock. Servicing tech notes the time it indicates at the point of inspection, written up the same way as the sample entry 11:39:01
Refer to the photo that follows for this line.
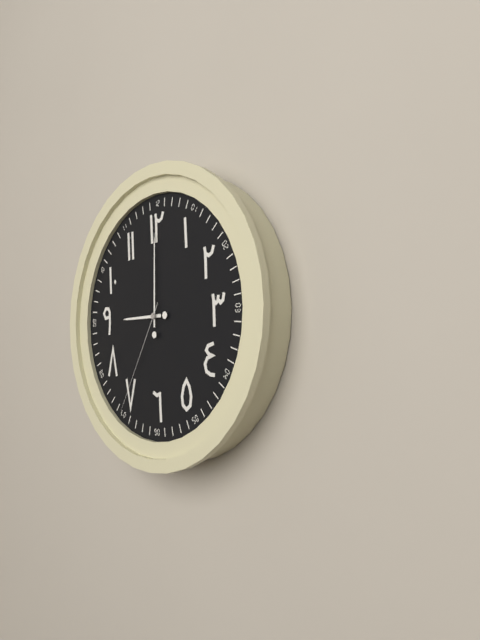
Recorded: 9:00:35
